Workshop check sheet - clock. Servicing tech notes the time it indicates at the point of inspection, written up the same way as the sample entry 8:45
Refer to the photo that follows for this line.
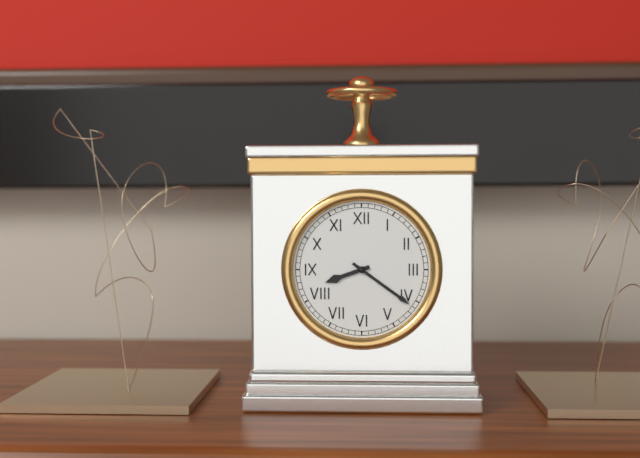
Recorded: 8:21
